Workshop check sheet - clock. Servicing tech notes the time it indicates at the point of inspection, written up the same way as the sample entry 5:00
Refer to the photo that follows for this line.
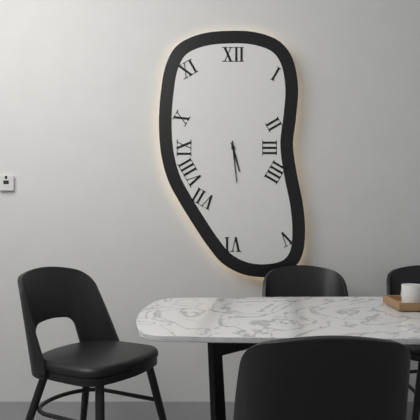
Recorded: 5:29
